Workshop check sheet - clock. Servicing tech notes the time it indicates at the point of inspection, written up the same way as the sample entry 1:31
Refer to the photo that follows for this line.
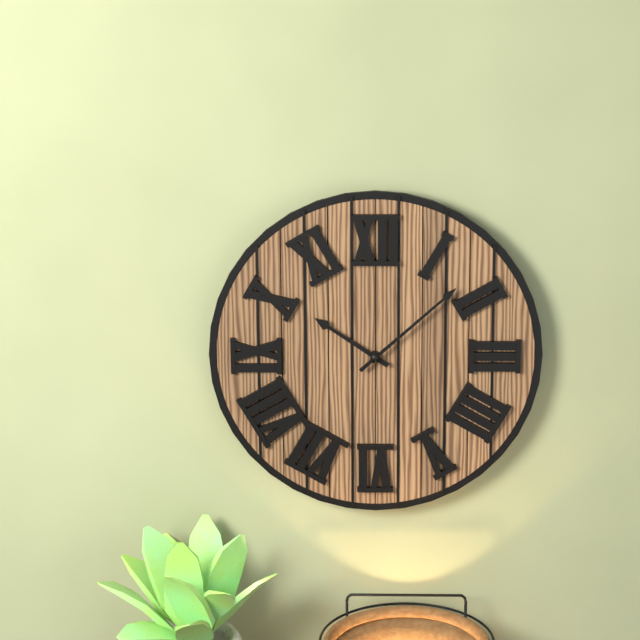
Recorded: 10:08
